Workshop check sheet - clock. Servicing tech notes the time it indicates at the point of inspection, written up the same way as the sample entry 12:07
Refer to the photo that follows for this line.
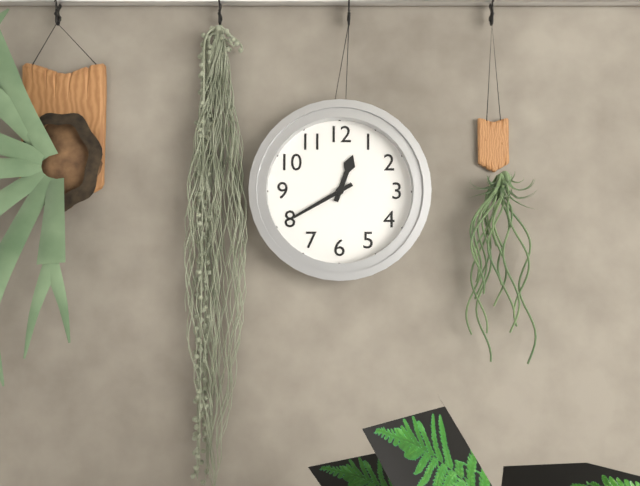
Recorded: 12:40
